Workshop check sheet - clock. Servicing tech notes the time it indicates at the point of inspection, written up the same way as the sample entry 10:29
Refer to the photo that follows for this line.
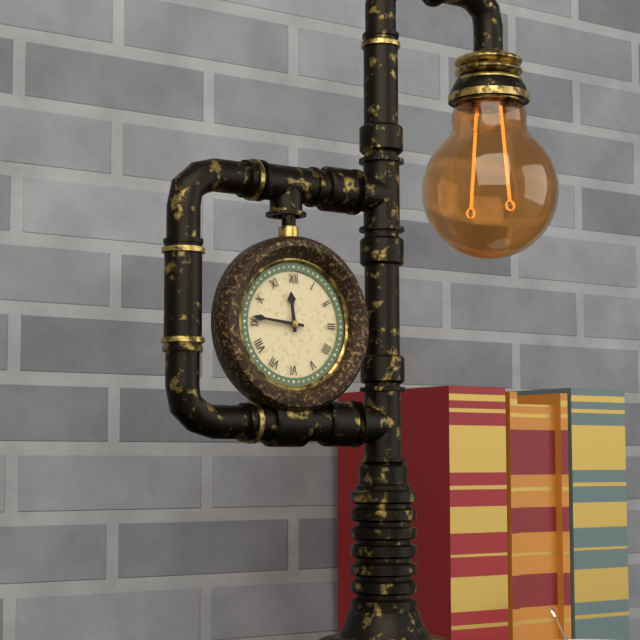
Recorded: 11:46
